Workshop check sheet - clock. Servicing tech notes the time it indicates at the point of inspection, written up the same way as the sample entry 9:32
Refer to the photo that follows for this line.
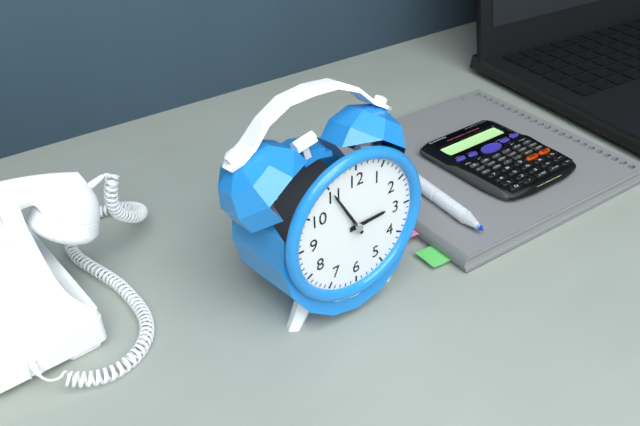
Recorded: 2:55
